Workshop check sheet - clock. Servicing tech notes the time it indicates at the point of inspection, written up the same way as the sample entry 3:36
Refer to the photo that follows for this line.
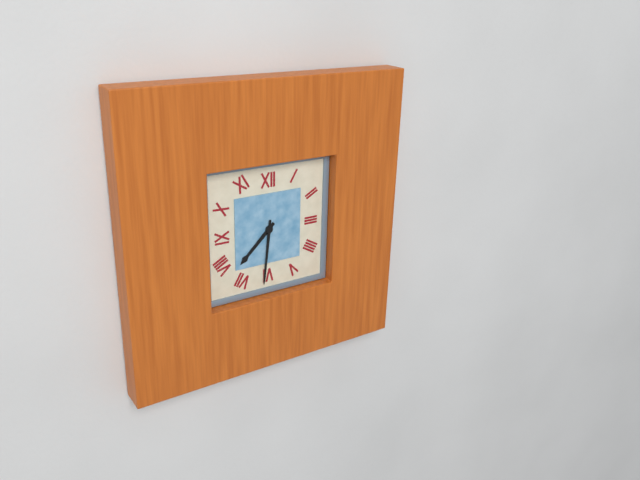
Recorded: 7:31
